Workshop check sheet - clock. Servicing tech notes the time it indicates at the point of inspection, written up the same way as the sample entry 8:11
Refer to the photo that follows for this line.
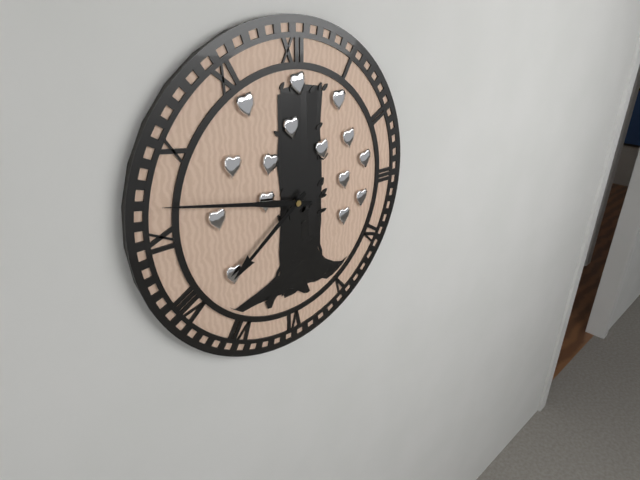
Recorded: 7:47
